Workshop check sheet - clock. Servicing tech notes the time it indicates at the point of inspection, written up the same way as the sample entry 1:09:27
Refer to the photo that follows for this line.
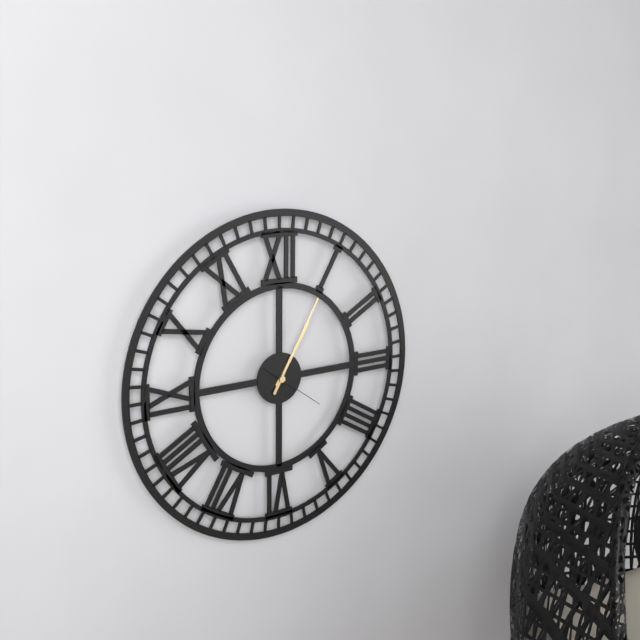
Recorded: 1:05:21
